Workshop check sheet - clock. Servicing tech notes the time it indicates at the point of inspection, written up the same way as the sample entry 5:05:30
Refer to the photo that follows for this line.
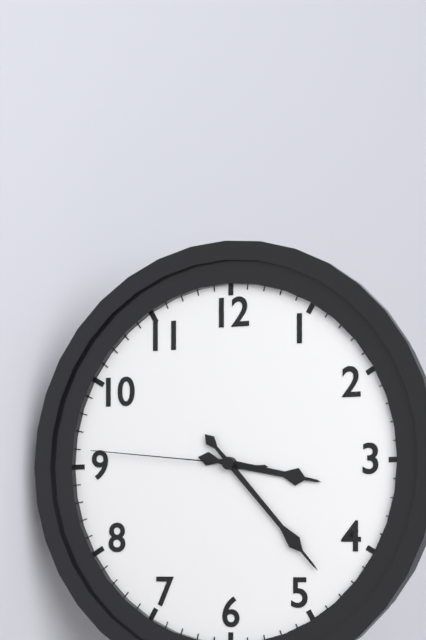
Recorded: 3:23:46
